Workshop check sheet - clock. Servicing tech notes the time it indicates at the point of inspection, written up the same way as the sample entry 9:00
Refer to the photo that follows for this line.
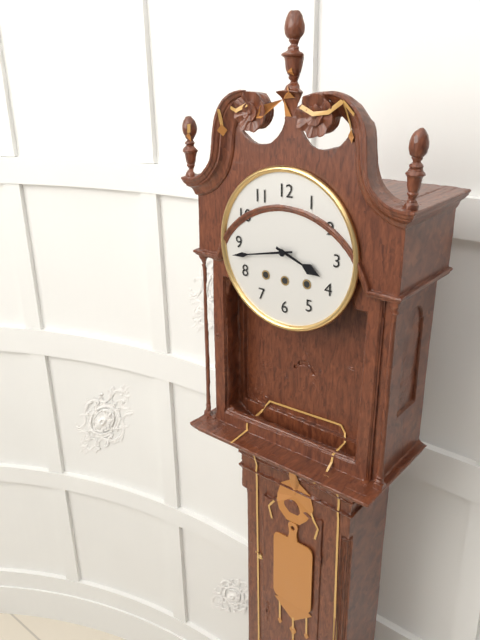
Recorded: 3:43
